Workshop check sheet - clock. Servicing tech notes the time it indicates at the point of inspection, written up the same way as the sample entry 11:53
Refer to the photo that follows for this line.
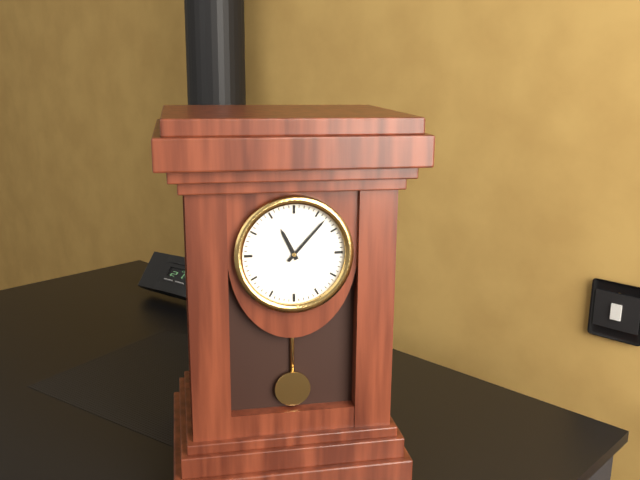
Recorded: 11:07
